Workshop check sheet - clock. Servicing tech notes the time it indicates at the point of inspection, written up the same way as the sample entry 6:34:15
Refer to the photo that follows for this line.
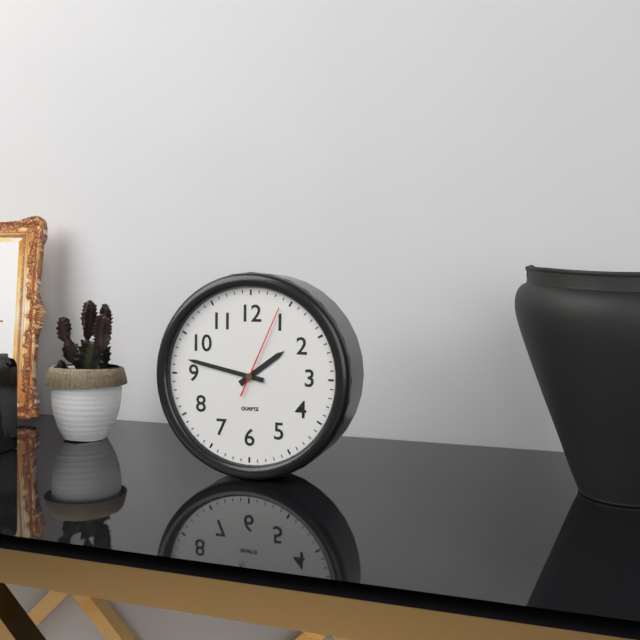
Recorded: 1:47:04
